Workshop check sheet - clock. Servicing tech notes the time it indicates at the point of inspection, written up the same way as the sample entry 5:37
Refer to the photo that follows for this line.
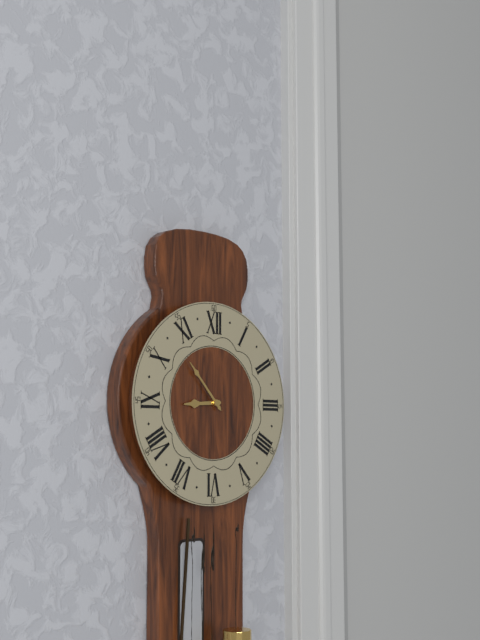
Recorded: 8:53
